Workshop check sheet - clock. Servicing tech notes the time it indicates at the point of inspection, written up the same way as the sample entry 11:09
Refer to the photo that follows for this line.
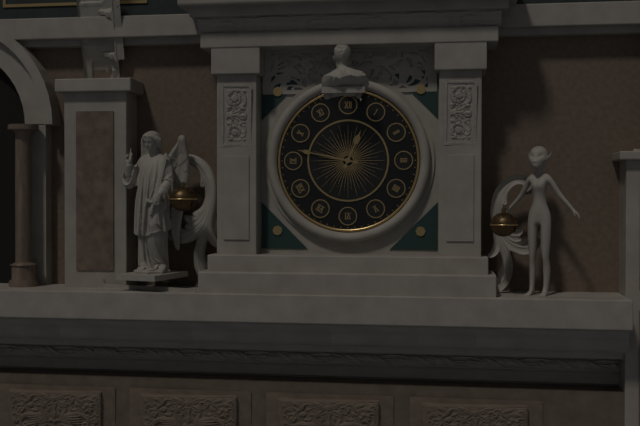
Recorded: 12:47
